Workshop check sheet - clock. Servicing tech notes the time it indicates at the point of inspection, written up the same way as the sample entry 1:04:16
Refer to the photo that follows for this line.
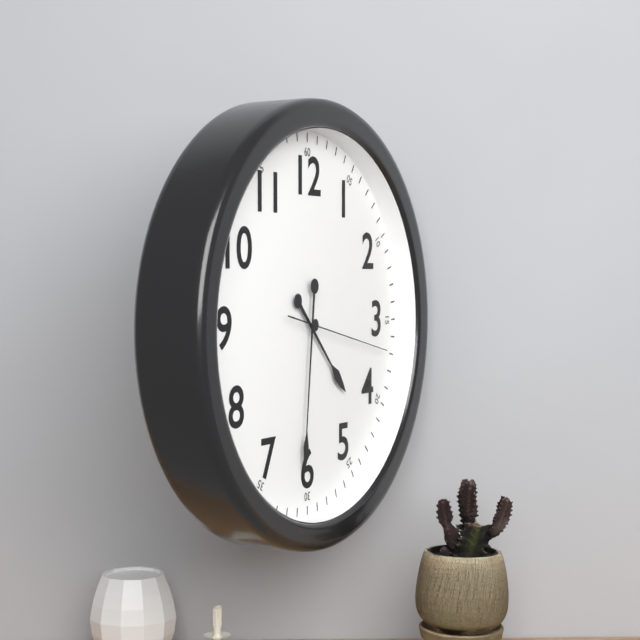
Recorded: 4:31:17
